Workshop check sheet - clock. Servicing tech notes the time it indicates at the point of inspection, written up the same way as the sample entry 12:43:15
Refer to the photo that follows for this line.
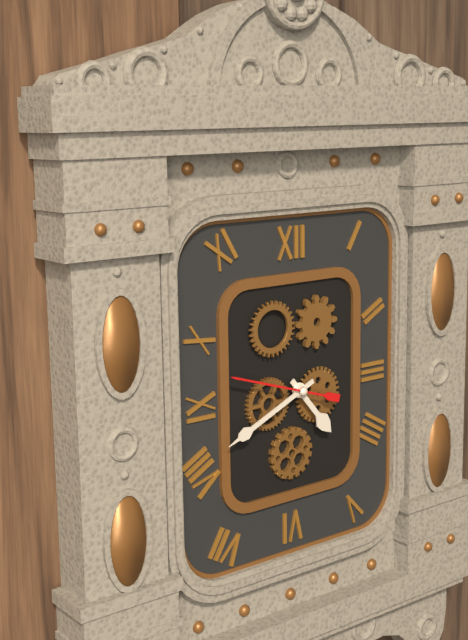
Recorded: 4:41:48
